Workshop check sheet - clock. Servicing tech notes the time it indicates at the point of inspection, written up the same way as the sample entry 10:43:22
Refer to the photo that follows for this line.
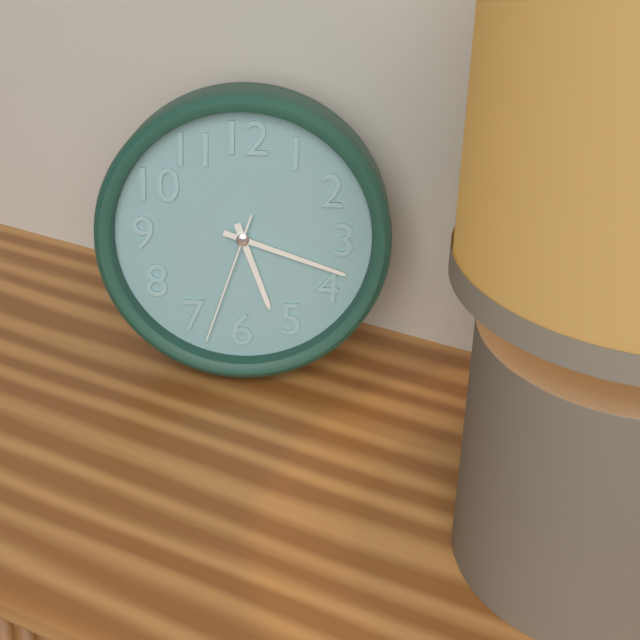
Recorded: 5:18:33
